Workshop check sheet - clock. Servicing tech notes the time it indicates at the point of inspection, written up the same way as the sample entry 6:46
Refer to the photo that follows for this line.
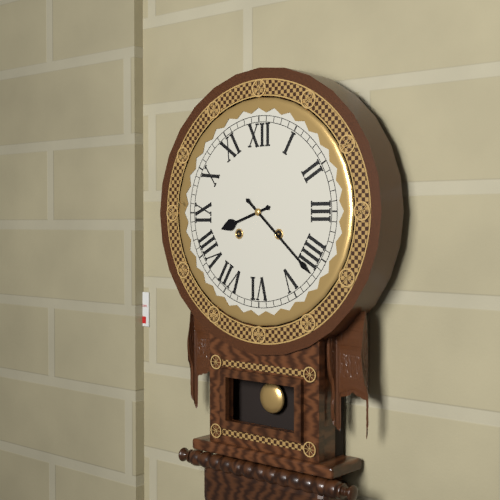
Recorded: 8:22
